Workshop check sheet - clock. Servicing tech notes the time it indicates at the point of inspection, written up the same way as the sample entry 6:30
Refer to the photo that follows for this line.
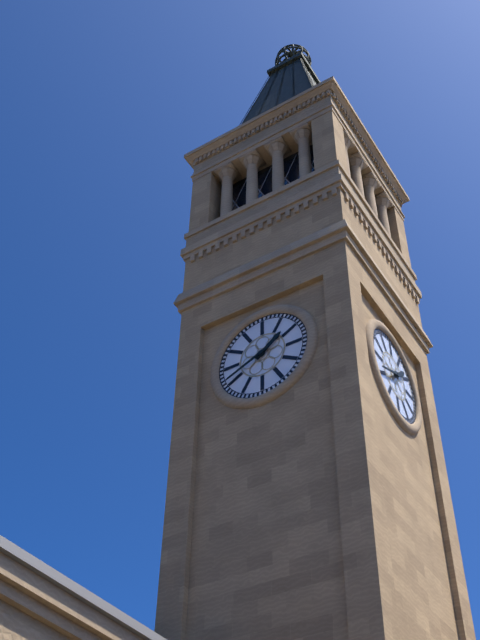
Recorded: 1:41
